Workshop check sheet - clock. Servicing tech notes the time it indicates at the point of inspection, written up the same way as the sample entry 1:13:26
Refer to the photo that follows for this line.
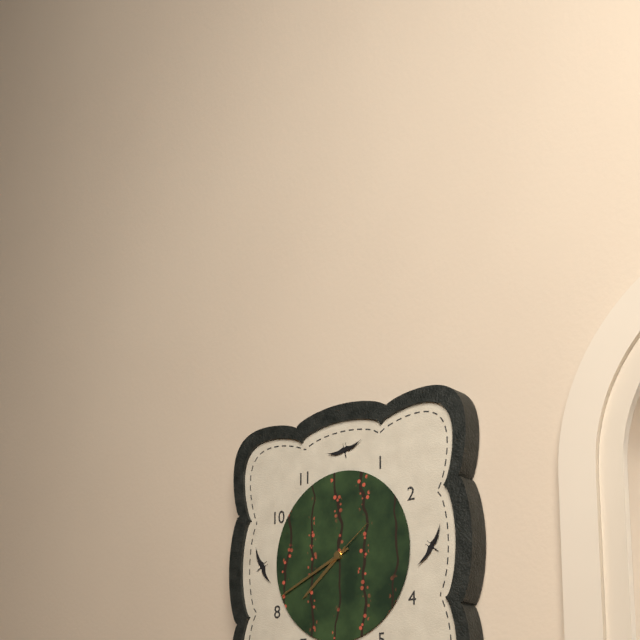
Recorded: 7:41:09
